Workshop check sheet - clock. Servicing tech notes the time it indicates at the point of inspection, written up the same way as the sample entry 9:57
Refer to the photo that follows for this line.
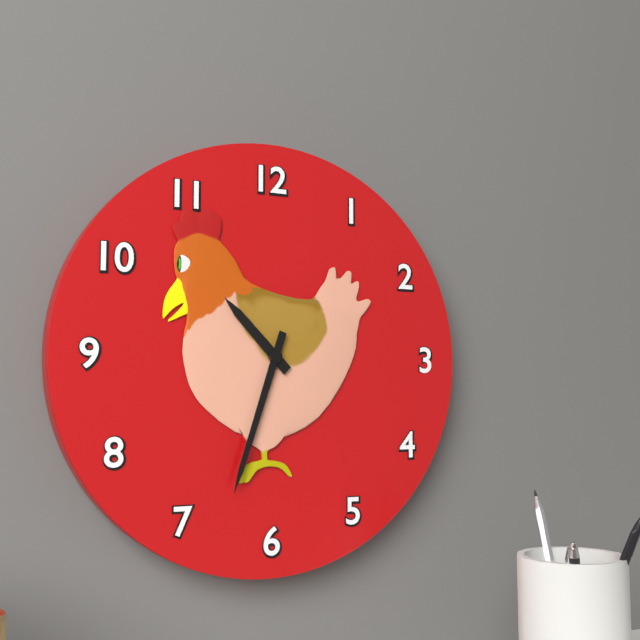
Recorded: 10:33
